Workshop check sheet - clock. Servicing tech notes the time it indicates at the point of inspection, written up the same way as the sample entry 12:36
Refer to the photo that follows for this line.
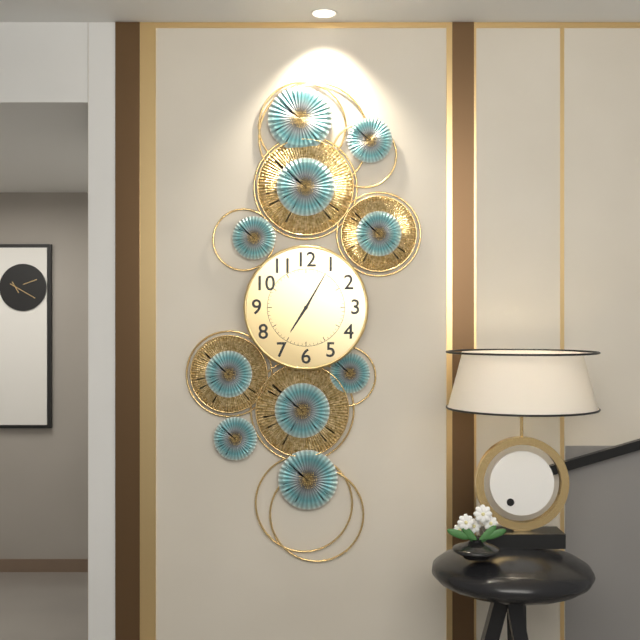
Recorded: 7:05
